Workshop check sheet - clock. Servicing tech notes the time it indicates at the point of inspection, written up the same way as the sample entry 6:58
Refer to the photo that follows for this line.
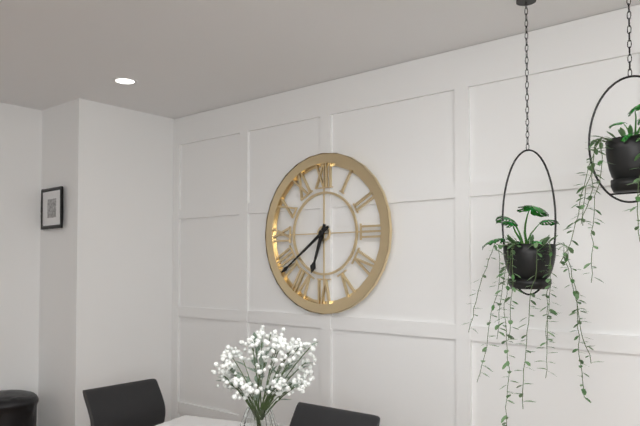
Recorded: 6:39
